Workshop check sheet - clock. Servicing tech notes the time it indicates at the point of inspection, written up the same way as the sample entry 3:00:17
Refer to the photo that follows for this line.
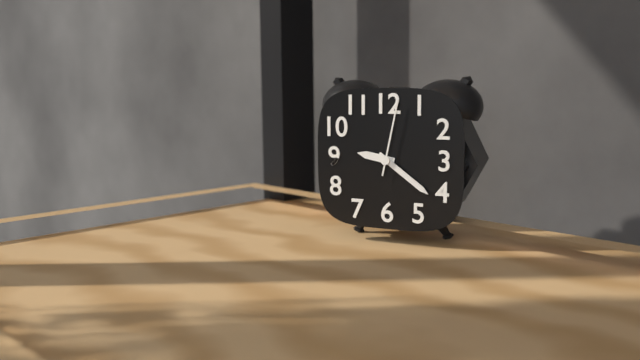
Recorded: 9:21:02
